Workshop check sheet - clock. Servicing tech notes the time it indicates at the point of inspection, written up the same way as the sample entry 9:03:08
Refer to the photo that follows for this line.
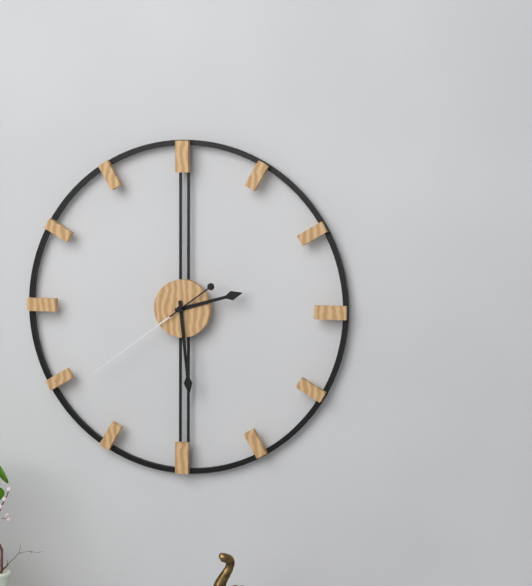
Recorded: 2:29:39
